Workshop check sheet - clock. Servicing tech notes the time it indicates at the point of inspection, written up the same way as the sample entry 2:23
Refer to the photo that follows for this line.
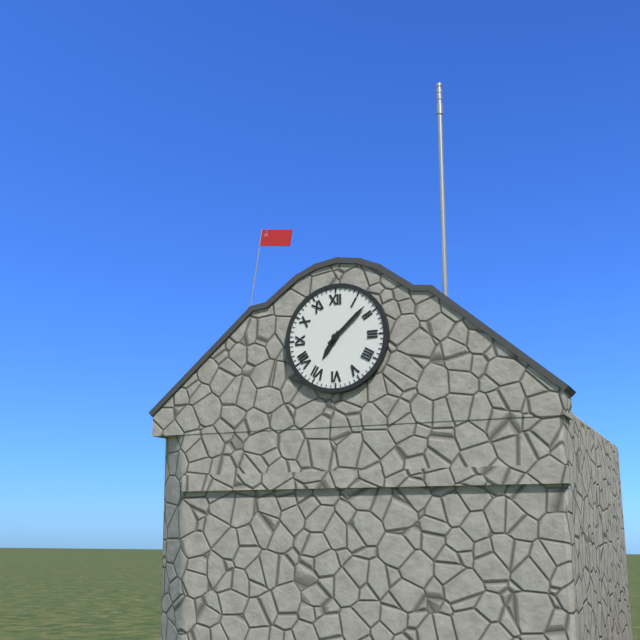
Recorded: 7:08
